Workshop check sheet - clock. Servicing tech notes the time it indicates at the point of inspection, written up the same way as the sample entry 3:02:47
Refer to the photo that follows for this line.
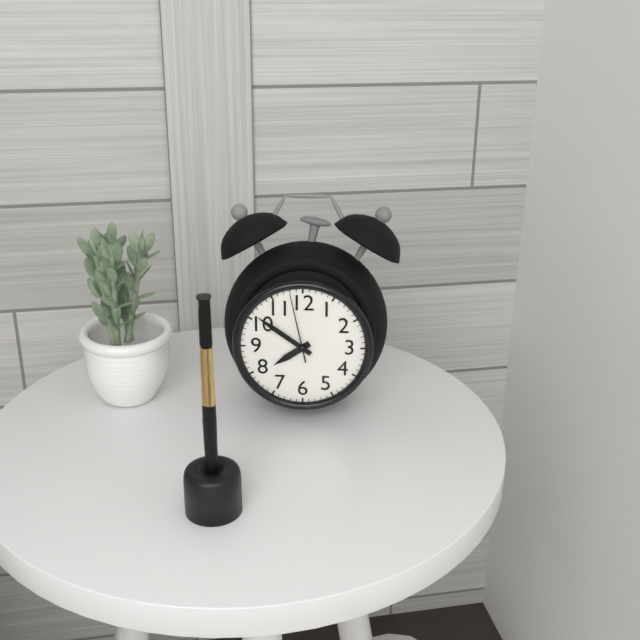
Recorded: 7:51:58
